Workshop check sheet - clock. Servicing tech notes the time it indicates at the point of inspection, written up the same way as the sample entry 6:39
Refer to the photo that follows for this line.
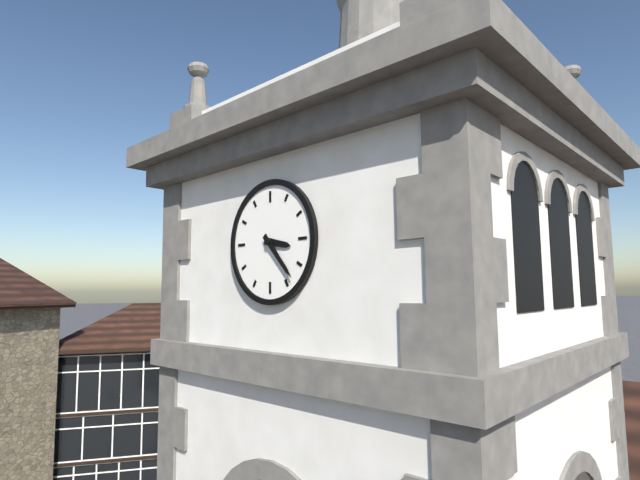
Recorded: 3:23
